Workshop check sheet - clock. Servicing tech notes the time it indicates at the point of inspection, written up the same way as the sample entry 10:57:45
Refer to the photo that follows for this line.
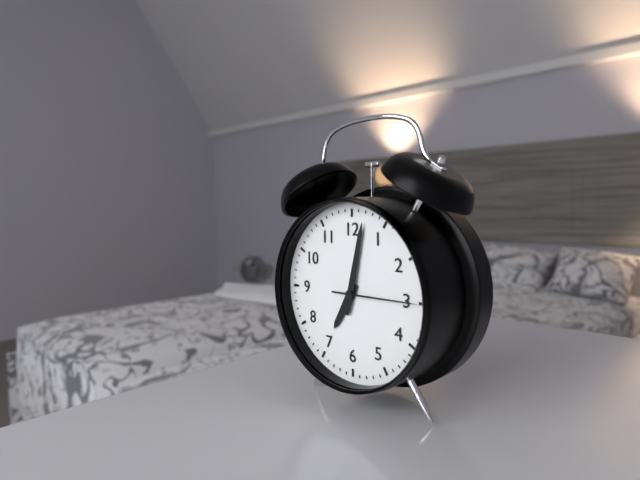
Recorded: 7:02:15
